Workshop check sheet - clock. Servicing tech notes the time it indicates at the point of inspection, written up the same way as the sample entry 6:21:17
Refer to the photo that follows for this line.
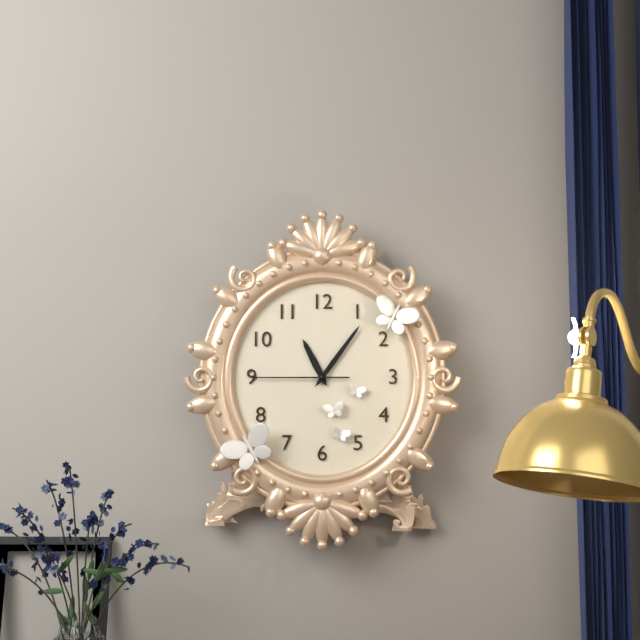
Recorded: 11:06:45
